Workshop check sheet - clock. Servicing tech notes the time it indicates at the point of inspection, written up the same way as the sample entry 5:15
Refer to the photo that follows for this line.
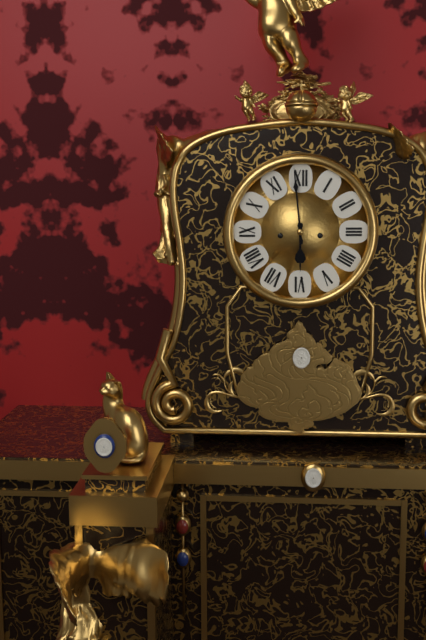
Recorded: 5:59
